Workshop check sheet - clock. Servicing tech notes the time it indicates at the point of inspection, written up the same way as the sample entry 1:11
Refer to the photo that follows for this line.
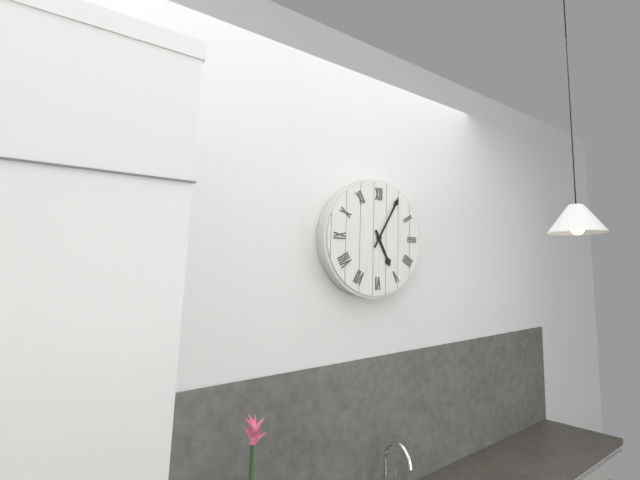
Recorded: 5:05
